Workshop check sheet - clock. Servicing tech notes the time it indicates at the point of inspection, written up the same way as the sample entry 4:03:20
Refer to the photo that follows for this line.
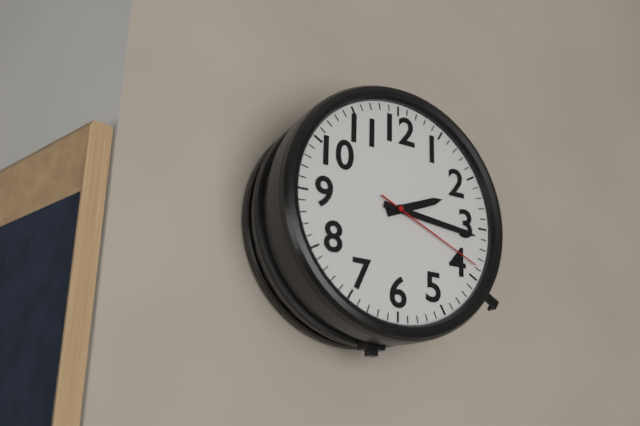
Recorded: 2:16:19
